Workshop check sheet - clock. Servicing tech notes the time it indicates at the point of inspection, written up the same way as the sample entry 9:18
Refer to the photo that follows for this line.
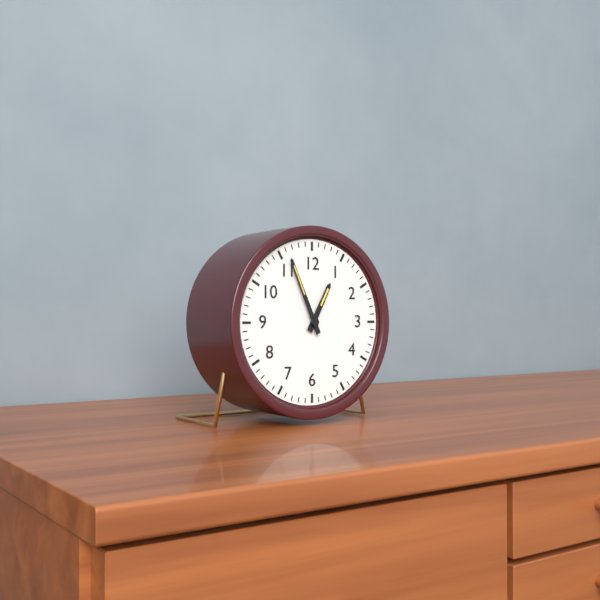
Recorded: 12:56
